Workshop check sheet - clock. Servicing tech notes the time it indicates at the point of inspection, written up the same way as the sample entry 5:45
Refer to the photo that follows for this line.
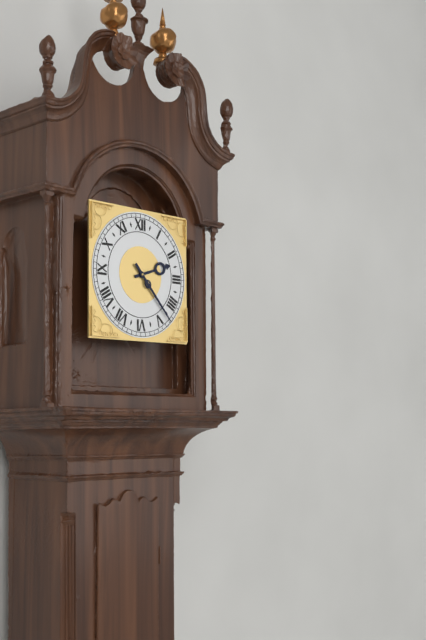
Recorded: 2:23
